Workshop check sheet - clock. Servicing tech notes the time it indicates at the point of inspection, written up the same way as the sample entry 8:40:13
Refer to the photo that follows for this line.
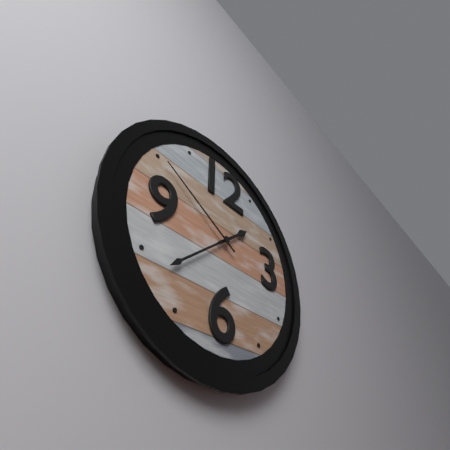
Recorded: 1:38:50
